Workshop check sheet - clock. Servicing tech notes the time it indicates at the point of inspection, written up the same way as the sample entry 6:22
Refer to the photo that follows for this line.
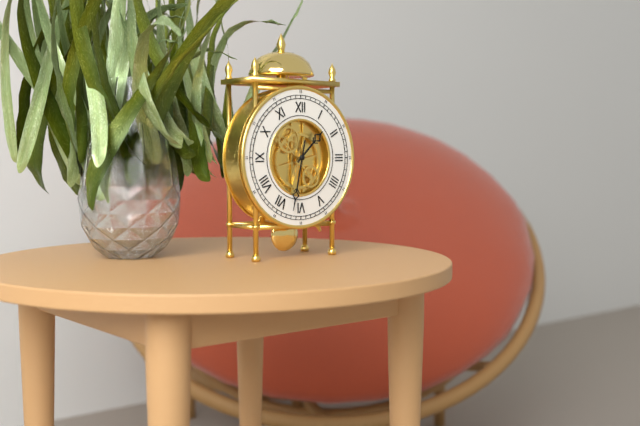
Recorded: 1:32
